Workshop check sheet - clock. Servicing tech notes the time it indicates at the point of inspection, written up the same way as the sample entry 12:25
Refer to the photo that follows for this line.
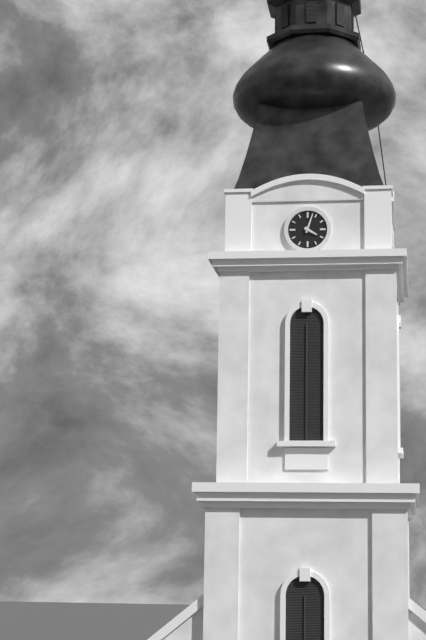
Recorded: 4:03
